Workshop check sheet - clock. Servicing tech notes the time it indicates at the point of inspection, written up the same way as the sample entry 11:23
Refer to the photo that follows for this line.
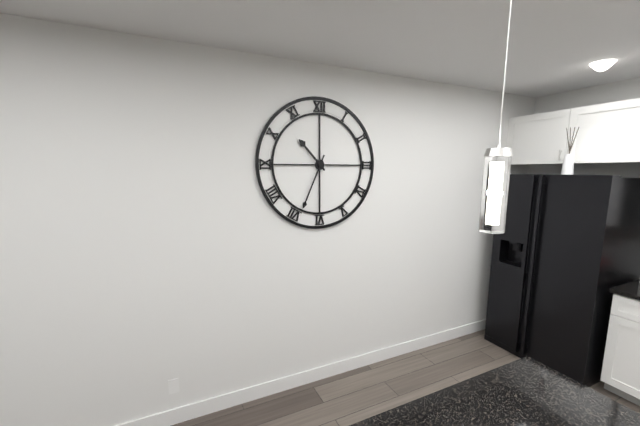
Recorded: 10:34
